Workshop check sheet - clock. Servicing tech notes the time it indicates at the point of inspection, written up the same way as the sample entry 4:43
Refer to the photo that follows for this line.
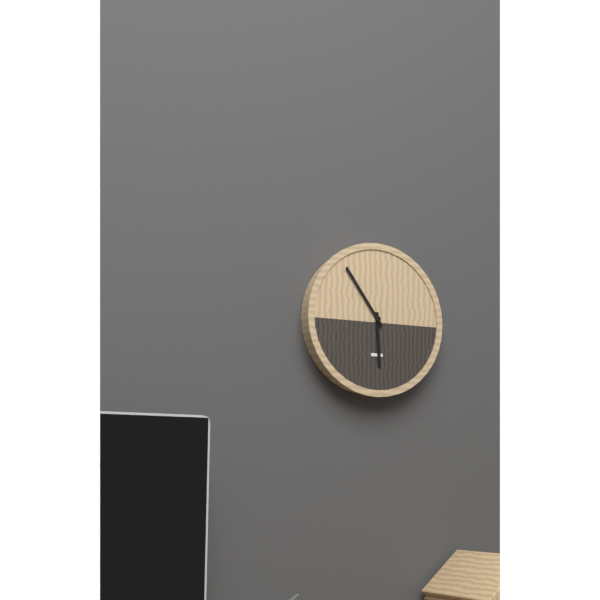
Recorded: 5:54
